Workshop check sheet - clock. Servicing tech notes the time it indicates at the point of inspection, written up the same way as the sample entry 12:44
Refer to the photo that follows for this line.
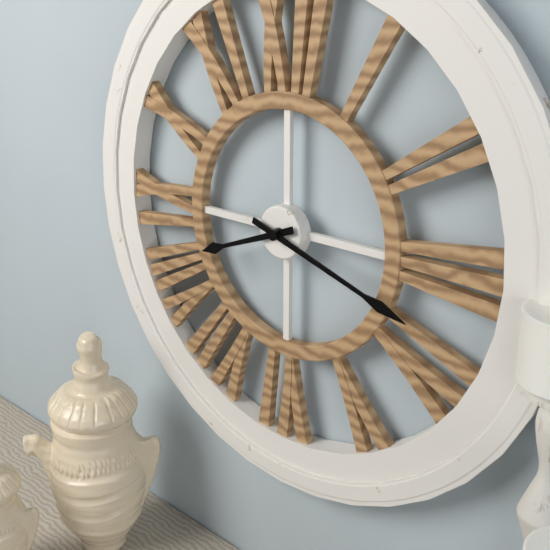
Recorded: 8:18
